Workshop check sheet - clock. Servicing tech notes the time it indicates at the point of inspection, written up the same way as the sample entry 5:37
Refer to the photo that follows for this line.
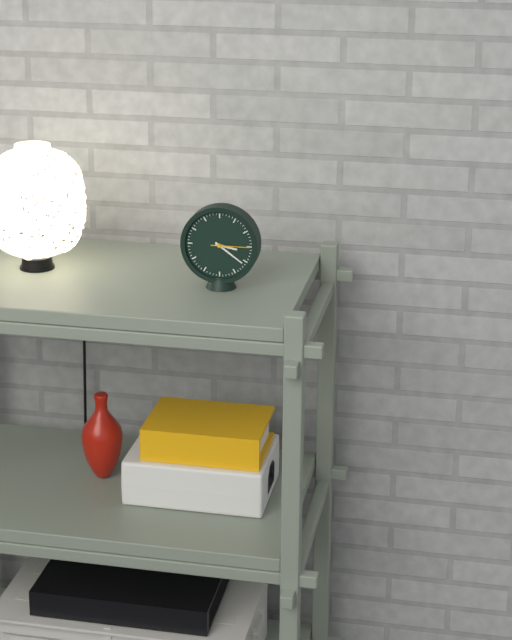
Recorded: 3:21
